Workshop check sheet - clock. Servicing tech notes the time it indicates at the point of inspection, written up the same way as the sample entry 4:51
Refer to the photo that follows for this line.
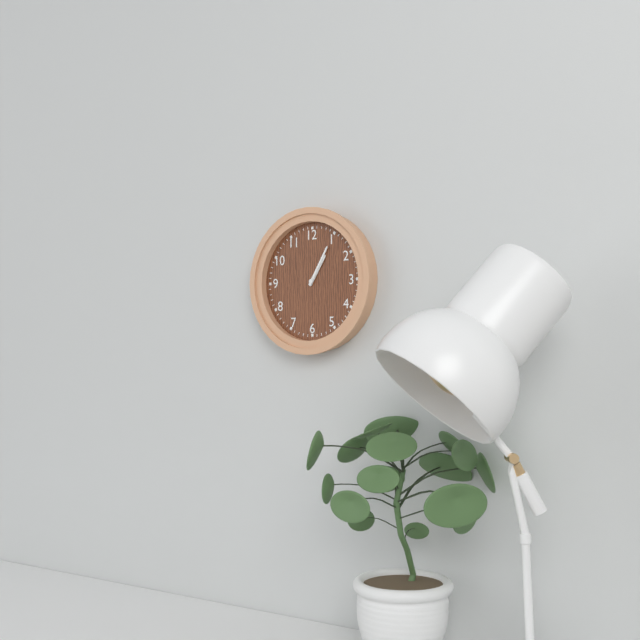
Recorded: 1:05
